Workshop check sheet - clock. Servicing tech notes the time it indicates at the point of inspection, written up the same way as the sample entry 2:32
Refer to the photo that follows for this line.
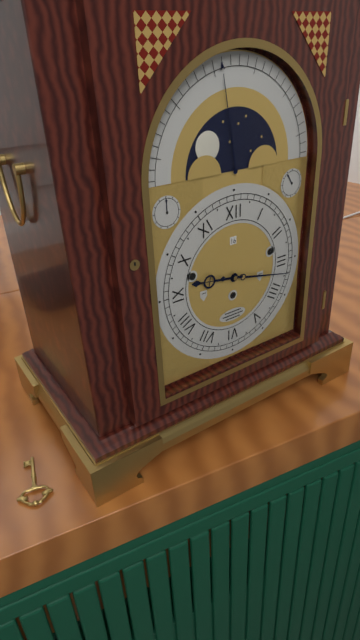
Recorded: 9:17
